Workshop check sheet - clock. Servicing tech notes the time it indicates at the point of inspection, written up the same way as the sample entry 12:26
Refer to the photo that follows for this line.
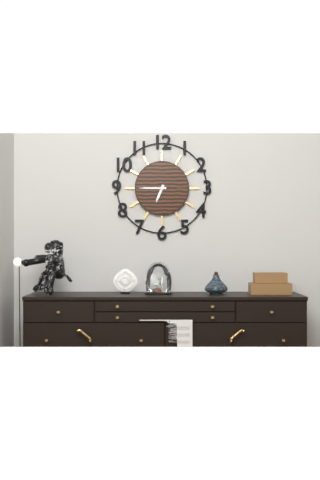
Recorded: 6:45
